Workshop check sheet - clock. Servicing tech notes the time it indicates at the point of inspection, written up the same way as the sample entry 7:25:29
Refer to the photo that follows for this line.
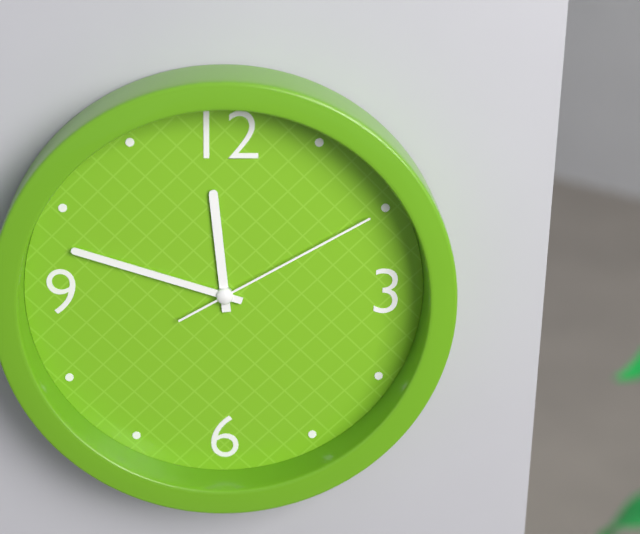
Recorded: 11:48:10
